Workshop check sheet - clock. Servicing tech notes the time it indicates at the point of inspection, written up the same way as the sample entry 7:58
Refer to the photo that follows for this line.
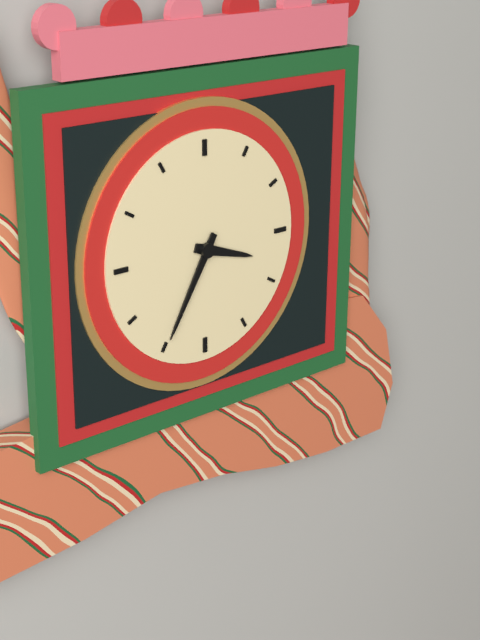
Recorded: 3:35
